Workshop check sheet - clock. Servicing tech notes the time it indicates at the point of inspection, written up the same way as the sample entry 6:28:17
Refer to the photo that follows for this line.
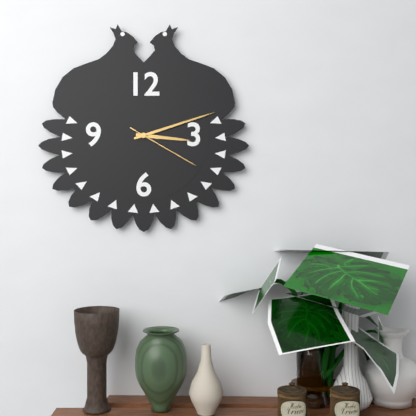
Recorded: 3:12:20
